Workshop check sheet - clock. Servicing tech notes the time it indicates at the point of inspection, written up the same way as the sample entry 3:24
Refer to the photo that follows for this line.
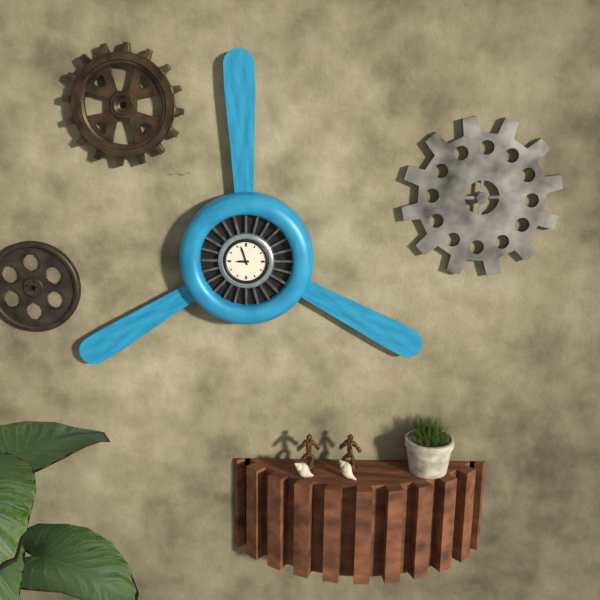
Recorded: 8:57
